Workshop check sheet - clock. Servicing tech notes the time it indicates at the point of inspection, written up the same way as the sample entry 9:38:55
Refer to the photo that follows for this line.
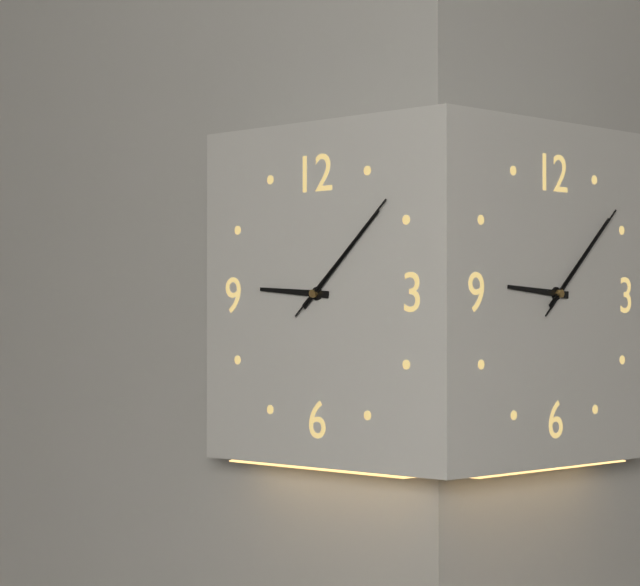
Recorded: 9:08:08
